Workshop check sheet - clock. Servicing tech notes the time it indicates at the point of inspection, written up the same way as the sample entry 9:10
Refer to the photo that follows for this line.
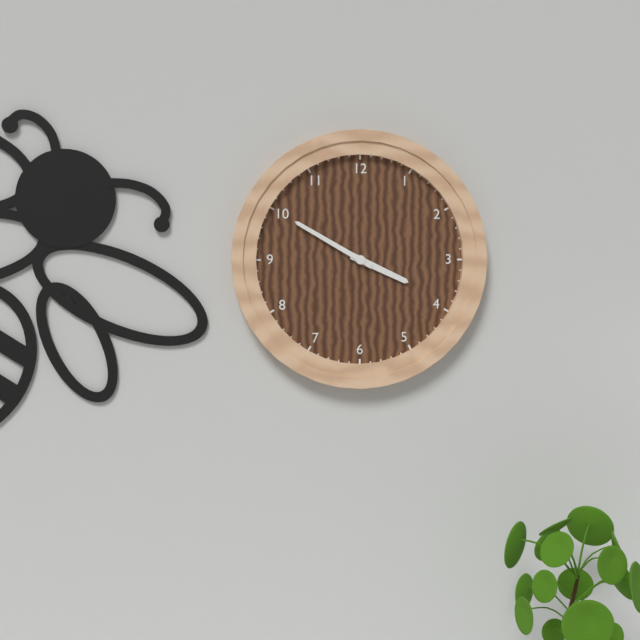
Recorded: 3:50
